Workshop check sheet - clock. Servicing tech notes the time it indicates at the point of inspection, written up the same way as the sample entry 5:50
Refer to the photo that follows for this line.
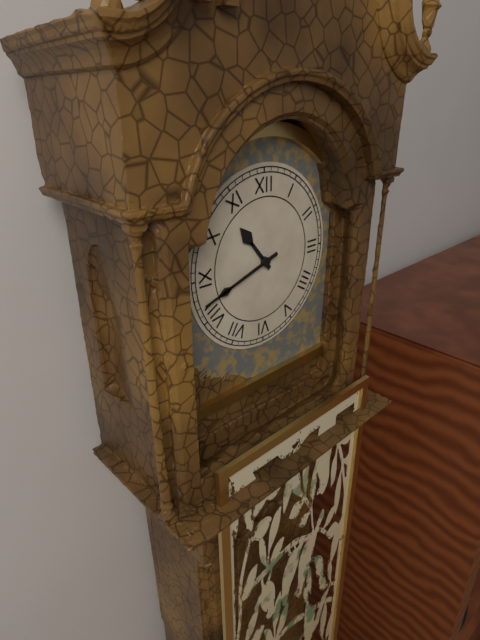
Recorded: 10:42
